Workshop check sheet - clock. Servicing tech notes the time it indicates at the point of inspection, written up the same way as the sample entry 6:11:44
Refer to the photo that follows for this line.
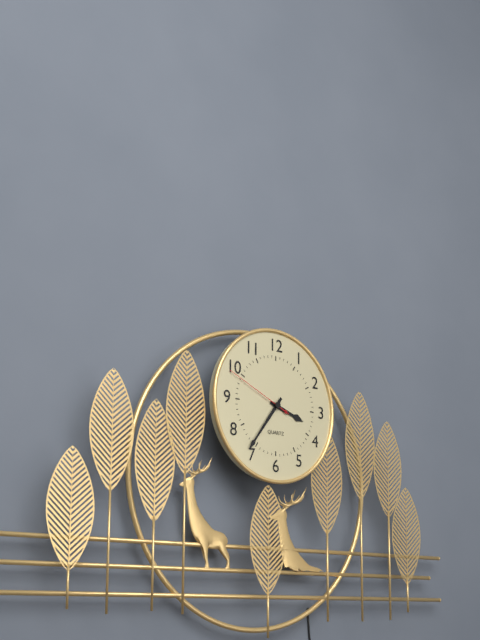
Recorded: 3:36:49
